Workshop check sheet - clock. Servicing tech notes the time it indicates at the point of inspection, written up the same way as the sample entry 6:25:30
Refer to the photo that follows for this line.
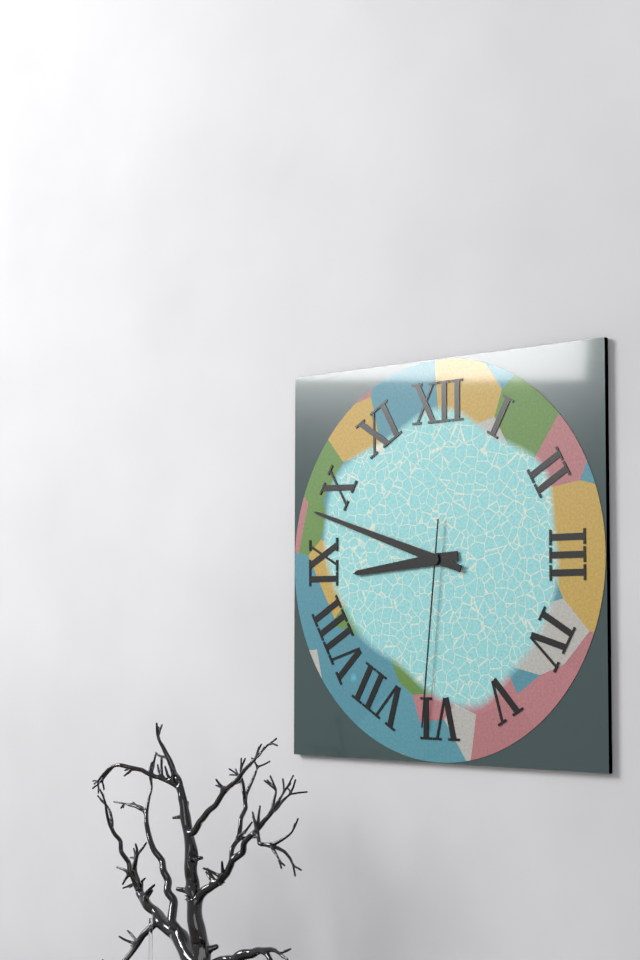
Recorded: 8:48:31
